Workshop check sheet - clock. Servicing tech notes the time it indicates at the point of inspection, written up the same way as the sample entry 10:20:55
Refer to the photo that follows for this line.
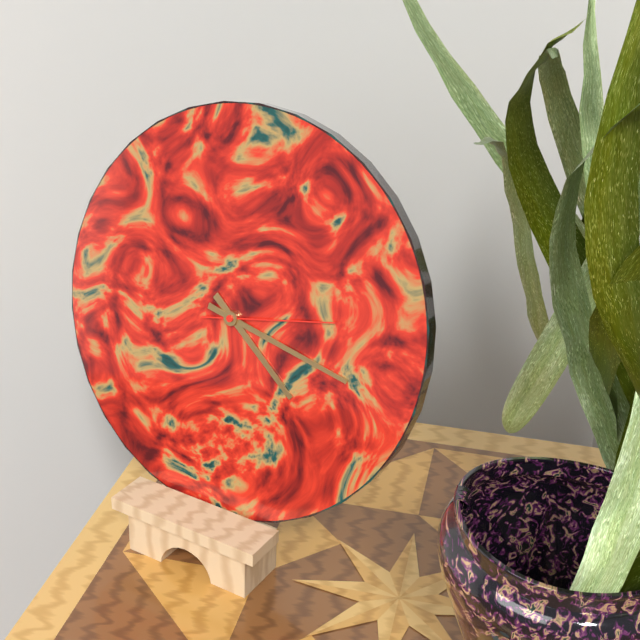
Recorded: 4:17:13
